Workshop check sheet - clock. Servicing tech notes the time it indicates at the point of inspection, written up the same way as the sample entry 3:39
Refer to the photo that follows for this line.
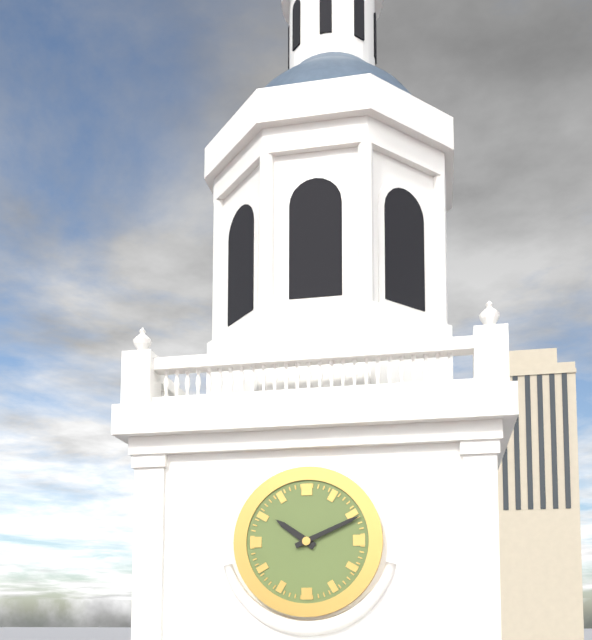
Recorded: 10:11
